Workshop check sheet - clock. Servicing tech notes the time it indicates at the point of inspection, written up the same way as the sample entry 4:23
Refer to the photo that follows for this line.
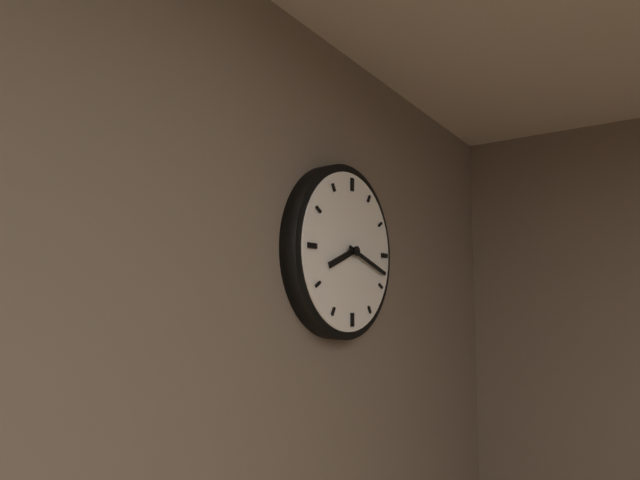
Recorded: 8:18
